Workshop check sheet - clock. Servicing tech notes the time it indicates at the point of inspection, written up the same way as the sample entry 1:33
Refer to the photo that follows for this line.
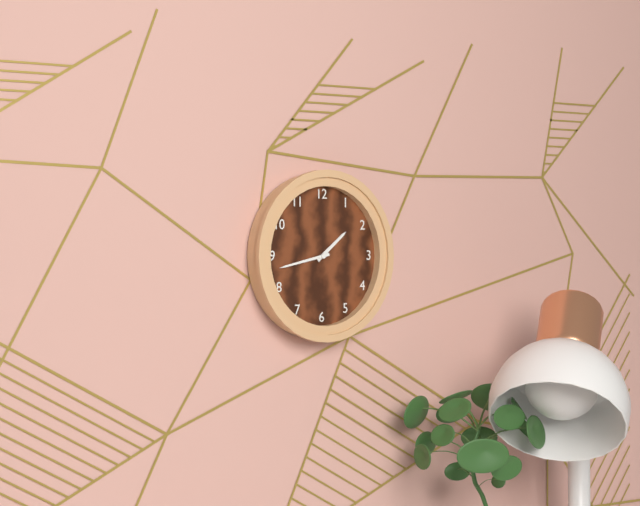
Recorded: 1:43
